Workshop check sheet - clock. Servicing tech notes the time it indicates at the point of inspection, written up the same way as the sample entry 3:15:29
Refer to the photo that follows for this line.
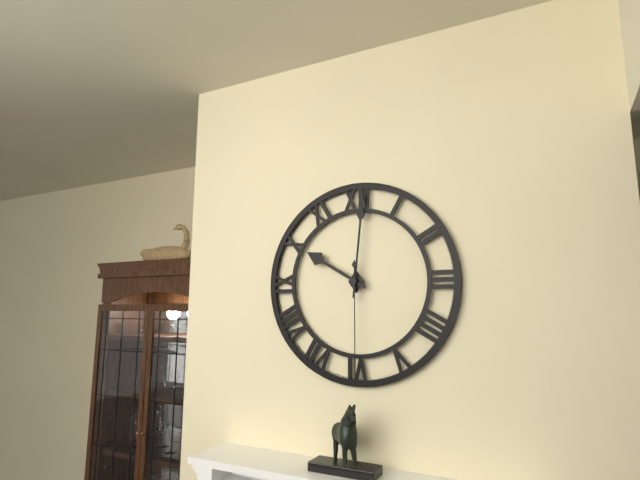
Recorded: 10:01:30
